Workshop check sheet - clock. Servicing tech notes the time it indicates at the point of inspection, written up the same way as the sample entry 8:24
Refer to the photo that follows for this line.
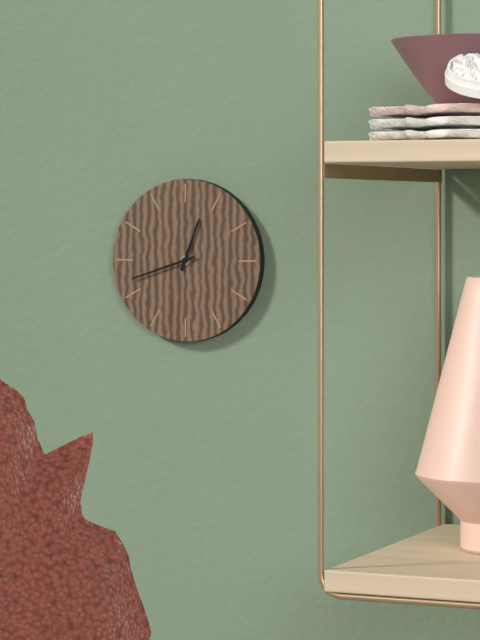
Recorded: 12:42
